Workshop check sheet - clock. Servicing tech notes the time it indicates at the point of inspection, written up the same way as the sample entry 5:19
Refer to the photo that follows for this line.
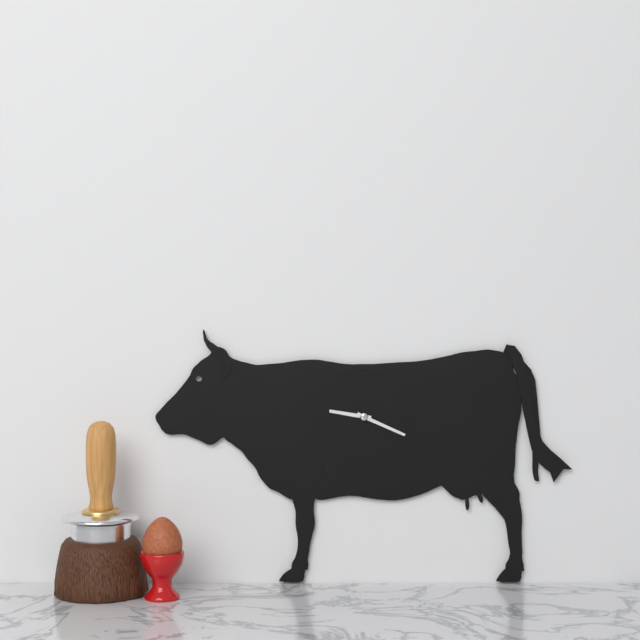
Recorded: 9:19
